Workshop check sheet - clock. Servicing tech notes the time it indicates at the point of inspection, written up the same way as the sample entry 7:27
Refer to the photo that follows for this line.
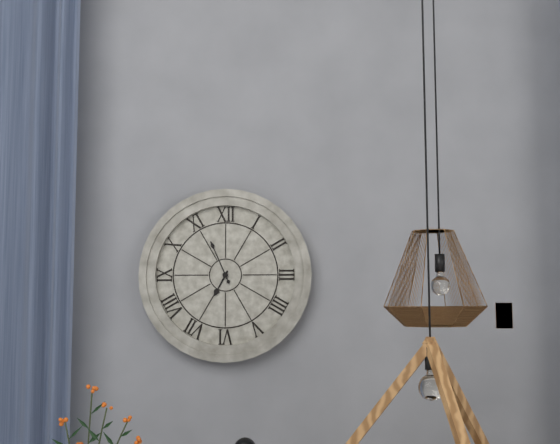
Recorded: 6:56
